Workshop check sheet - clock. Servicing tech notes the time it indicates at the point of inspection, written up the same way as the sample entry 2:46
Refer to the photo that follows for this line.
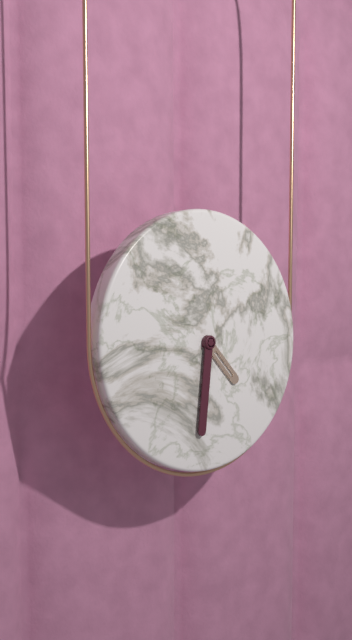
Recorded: 4:31
